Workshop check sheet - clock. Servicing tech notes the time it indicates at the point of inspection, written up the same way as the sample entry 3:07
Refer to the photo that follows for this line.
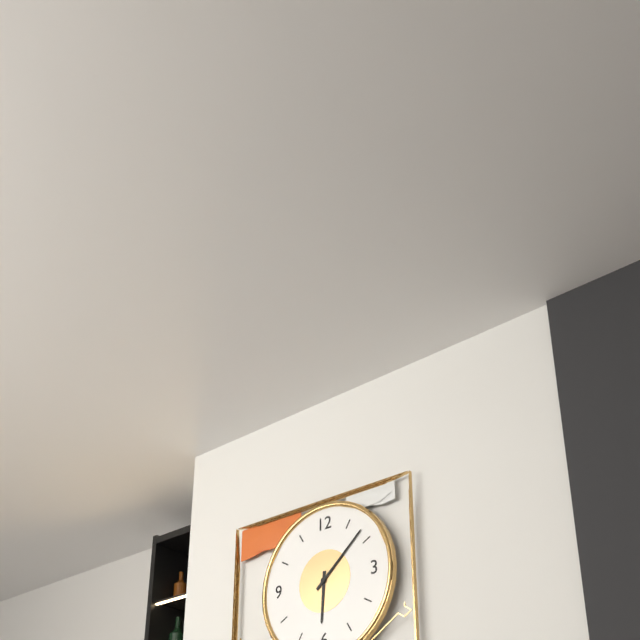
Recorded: 6:08
